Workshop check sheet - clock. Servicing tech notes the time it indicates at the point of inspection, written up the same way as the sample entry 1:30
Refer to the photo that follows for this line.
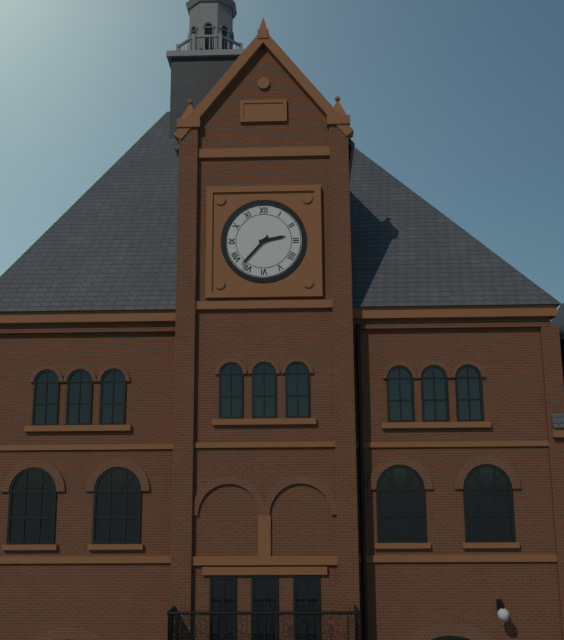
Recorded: 2:37
